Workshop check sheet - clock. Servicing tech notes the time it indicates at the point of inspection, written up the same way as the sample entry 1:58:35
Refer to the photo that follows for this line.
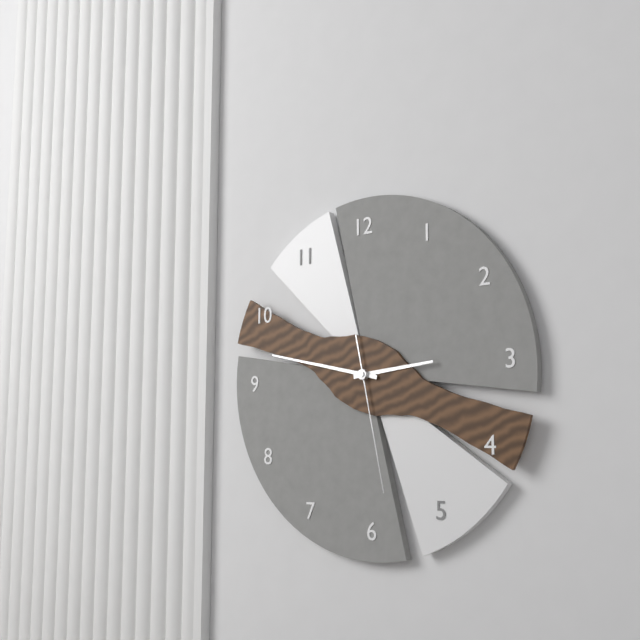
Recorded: 2:47:28
